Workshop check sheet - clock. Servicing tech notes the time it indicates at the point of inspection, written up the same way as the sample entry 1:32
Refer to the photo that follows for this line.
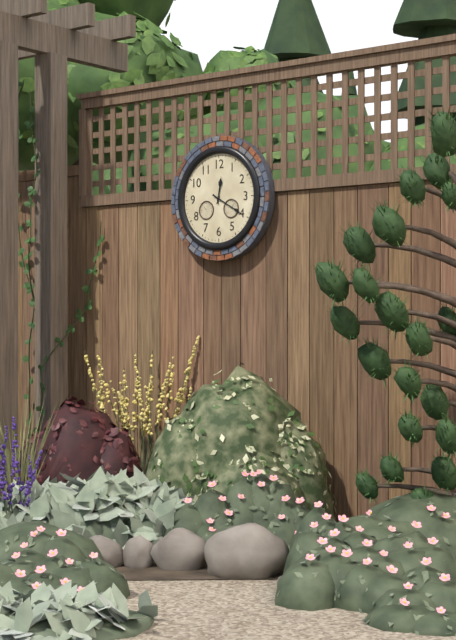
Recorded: 12:20
